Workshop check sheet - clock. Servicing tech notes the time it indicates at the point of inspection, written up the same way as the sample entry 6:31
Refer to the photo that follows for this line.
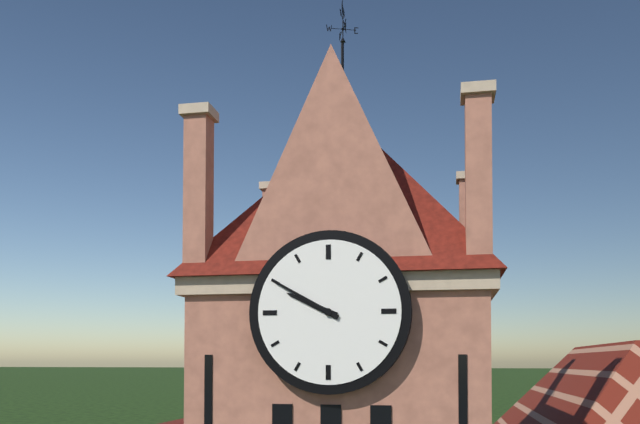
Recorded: 9:50
